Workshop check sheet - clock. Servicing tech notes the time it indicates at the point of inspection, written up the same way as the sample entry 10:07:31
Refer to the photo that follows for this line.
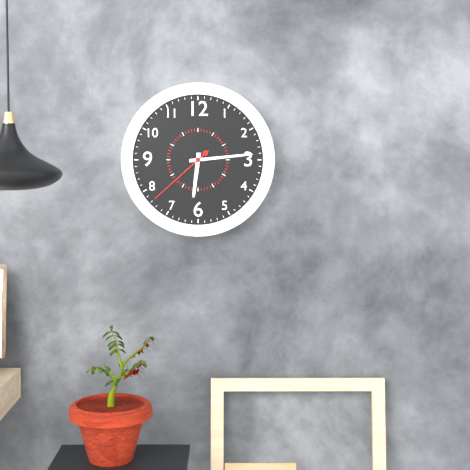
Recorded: 6:14:38
